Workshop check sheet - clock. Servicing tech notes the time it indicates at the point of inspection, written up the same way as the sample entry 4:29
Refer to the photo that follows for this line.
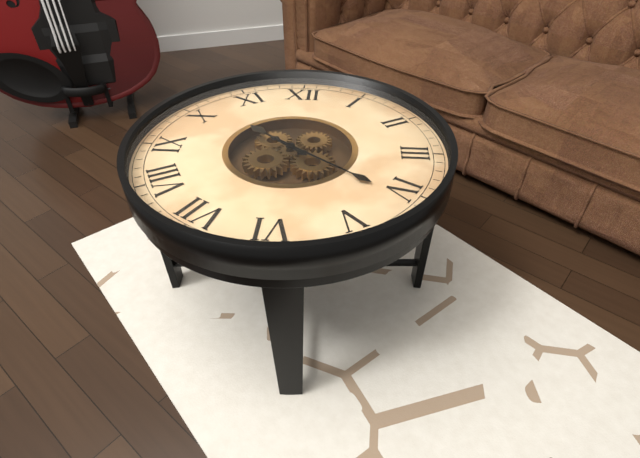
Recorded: 10:21
